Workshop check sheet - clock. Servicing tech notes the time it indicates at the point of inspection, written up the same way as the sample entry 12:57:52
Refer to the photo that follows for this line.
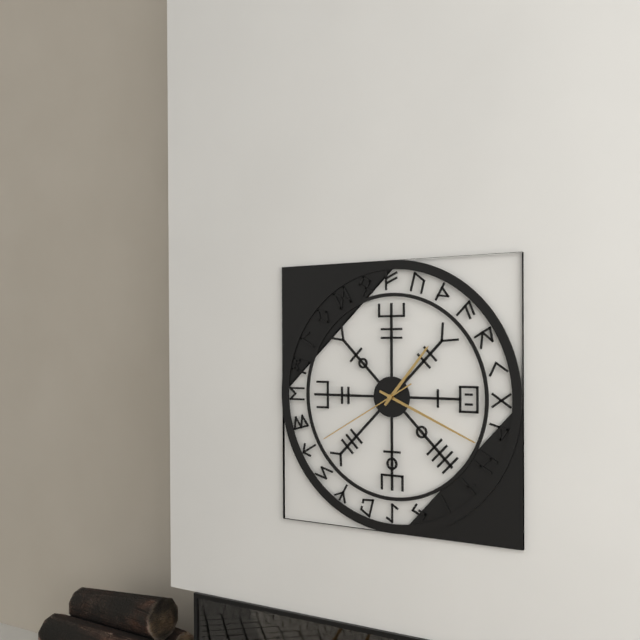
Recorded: 1:19:40
